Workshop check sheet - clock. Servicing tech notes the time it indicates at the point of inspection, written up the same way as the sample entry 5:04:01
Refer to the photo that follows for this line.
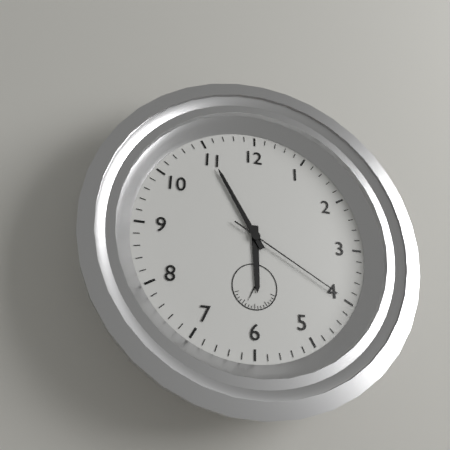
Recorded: 5:55:20
